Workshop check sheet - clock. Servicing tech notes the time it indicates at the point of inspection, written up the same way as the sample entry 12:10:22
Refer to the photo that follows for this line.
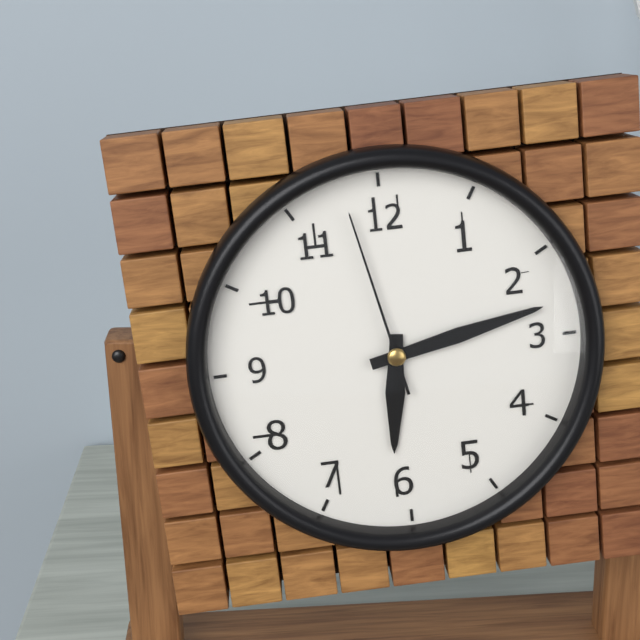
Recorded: 6:13:58
